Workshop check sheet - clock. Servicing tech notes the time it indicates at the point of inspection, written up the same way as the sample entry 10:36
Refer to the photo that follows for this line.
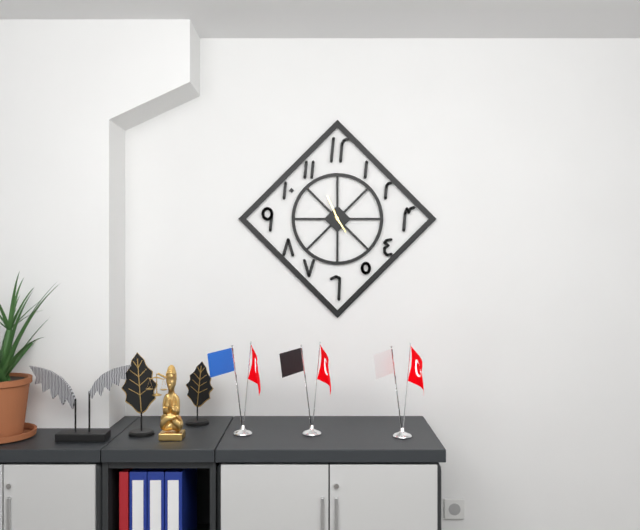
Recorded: 4:56
